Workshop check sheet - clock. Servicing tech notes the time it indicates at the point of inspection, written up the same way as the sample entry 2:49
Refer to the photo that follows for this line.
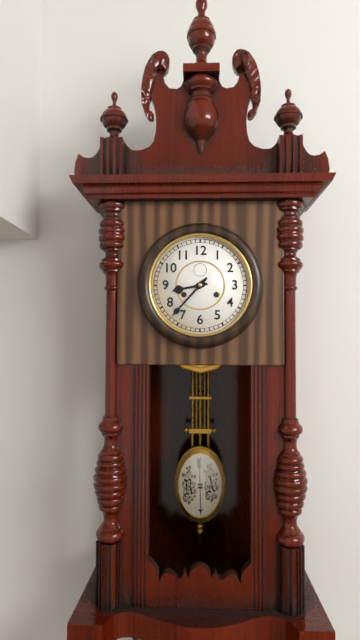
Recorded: 8:37
